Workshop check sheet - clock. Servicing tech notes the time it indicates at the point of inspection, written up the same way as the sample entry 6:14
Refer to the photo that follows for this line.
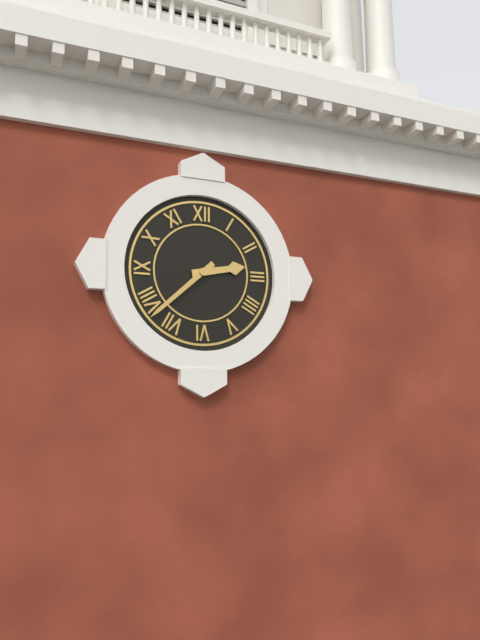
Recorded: 2:38
